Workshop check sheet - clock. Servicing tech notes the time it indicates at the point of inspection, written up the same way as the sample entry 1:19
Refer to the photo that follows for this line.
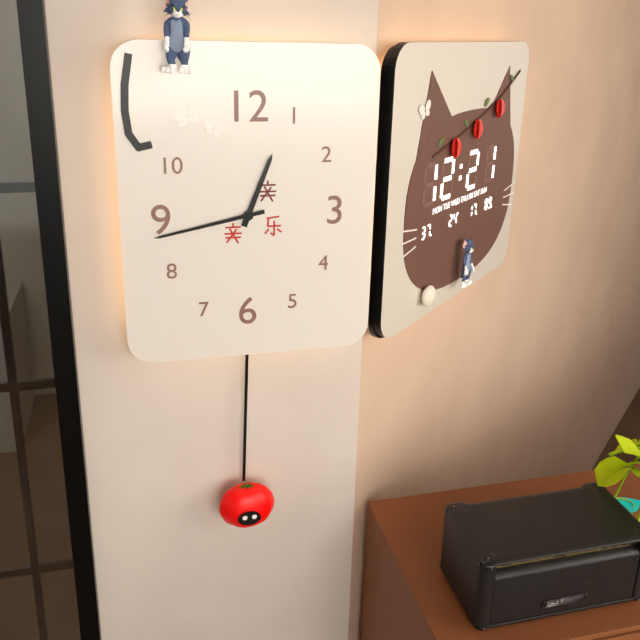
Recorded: 12:43
